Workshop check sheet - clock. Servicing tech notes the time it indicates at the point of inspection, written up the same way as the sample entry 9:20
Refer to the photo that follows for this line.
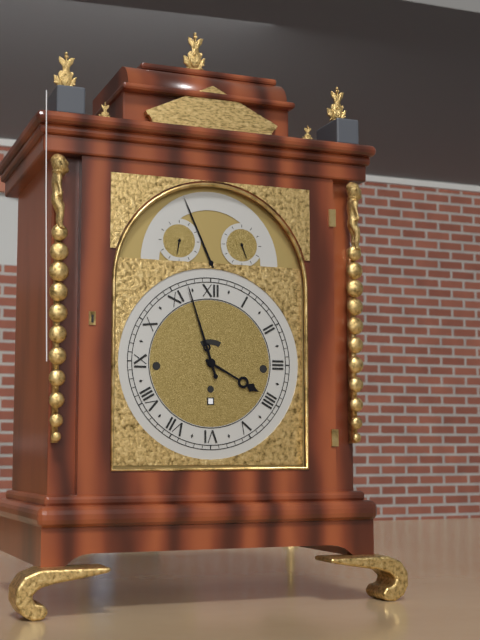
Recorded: 3:57
